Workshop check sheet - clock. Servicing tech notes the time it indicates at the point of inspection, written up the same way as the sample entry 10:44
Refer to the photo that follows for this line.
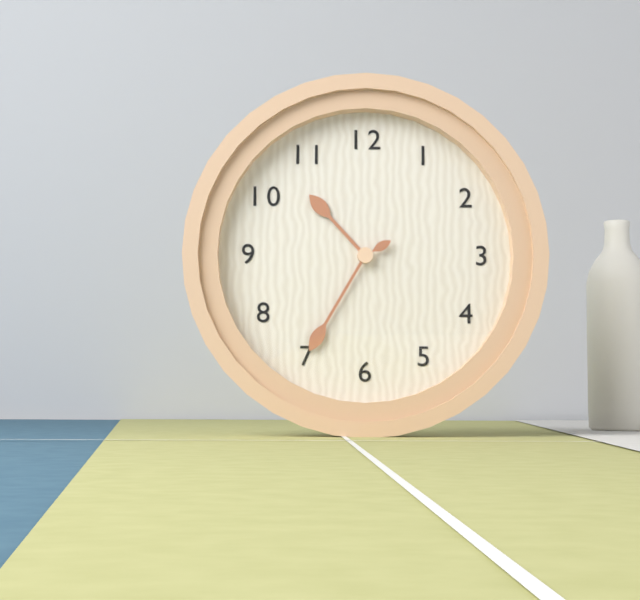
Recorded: 10:35
